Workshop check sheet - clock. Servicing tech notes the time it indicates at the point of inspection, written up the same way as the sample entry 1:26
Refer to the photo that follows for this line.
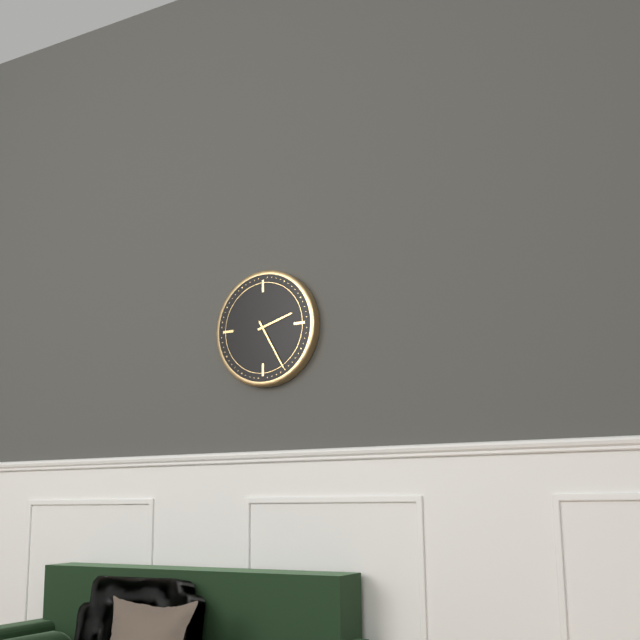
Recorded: 2:25
